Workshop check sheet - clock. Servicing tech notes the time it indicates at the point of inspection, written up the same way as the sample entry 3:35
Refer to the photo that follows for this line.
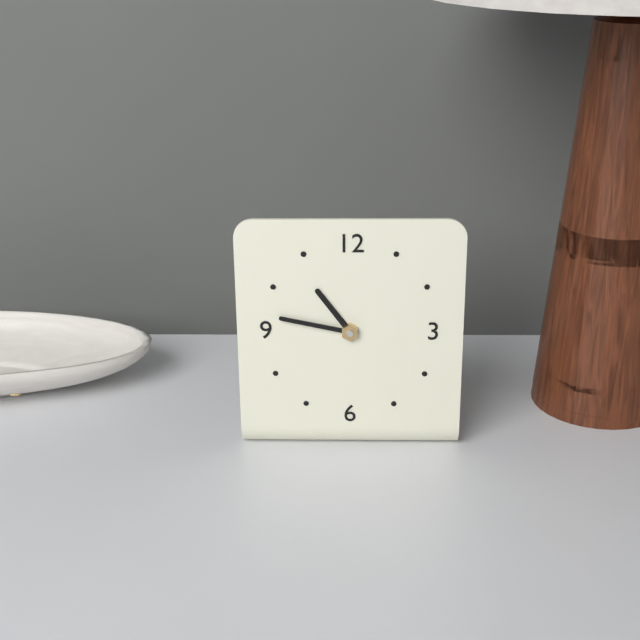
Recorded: 10:47
